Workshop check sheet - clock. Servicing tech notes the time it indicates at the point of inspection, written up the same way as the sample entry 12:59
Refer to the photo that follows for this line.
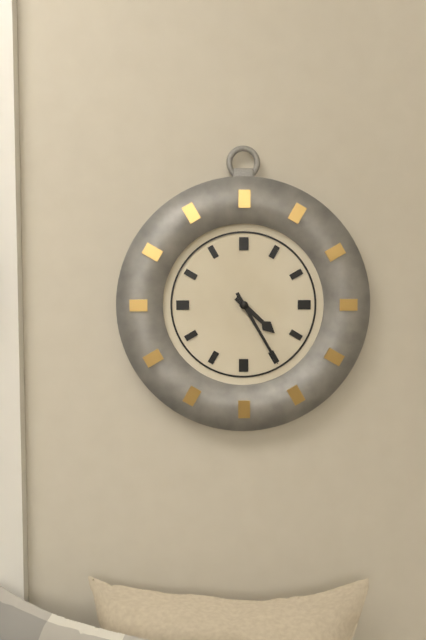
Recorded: 4:25
